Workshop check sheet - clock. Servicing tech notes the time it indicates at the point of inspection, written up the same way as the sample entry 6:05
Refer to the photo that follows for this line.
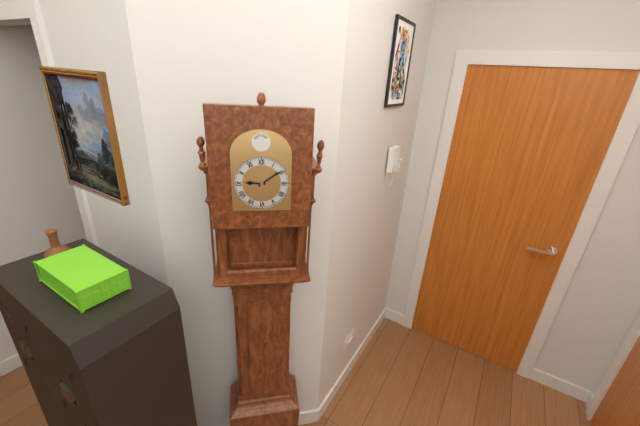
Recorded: 9:09
